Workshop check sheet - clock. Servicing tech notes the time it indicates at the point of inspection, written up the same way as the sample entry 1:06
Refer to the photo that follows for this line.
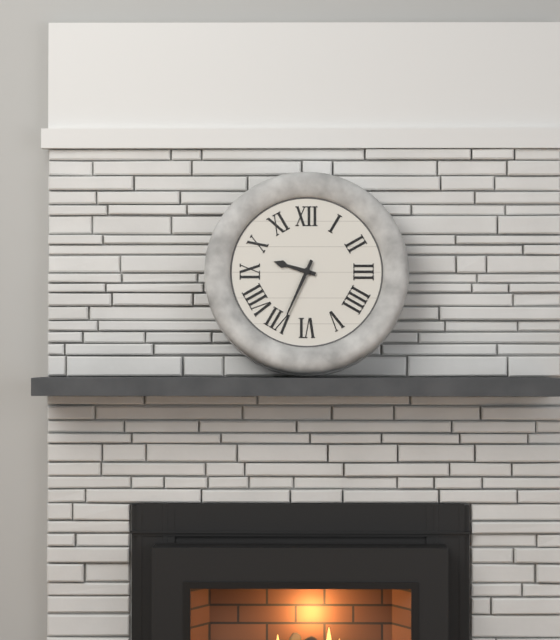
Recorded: 9:34
